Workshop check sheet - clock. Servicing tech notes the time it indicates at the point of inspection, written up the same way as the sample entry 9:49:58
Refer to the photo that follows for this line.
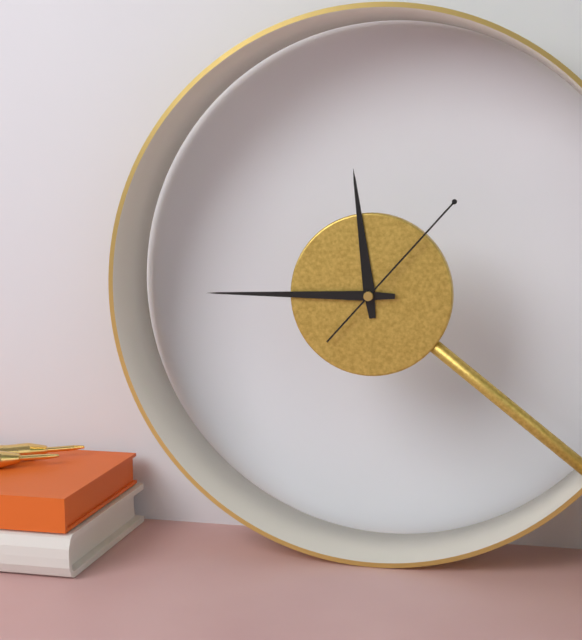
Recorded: 11:45:07
